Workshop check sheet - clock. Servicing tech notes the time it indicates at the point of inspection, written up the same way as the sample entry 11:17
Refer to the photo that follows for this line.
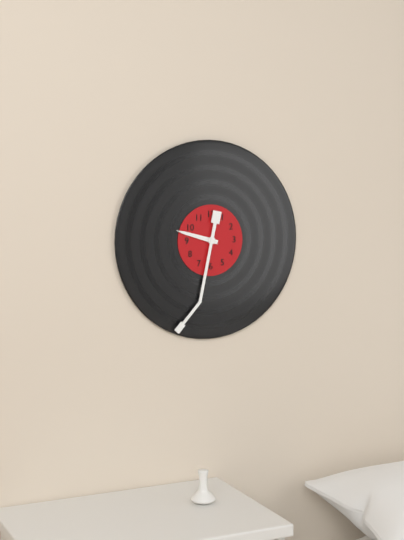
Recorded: 9:32
